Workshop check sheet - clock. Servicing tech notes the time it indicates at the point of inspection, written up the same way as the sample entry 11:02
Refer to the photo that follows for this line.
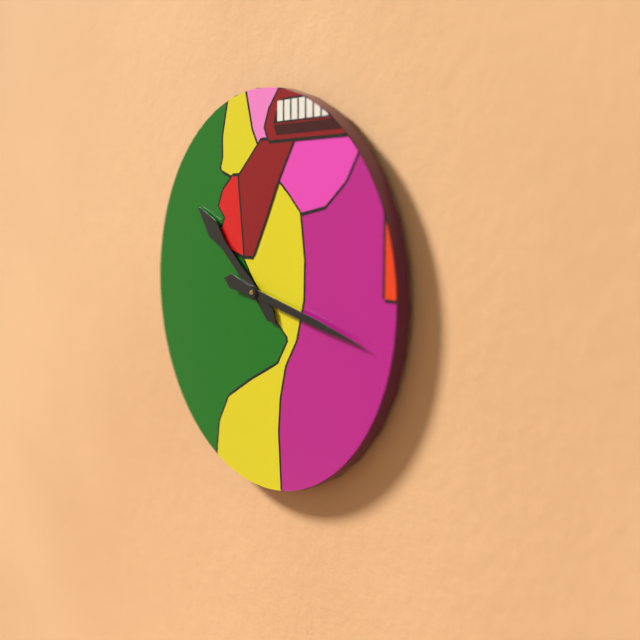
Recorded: 10:17
